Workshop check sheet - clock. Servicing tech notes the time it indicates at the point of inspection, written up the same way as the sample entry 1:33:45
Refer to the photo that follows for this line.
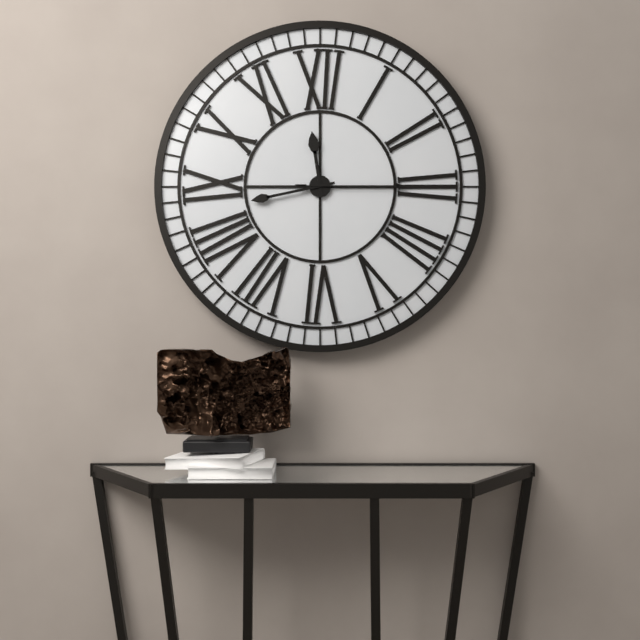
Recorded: 11:43:15
